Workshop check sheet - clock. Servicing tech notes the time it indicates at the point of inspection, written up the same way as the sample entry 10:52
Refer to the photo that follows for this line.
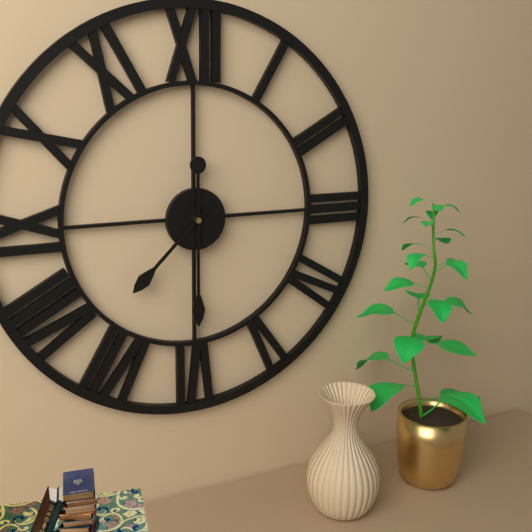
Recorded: 7:30
